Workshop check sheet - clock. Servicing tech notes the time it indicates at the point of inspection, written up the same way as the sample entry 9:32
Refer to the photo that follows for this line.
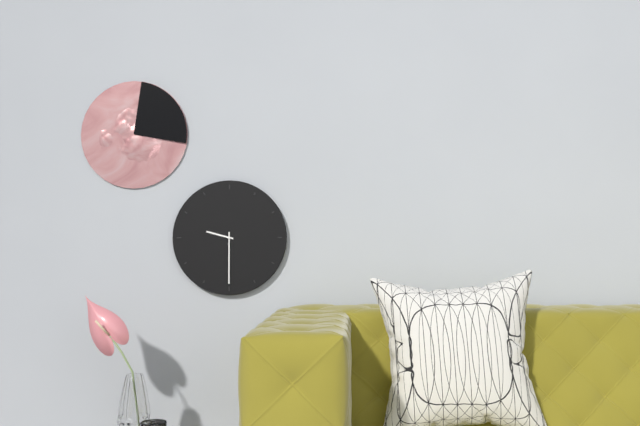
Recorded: 9:30
